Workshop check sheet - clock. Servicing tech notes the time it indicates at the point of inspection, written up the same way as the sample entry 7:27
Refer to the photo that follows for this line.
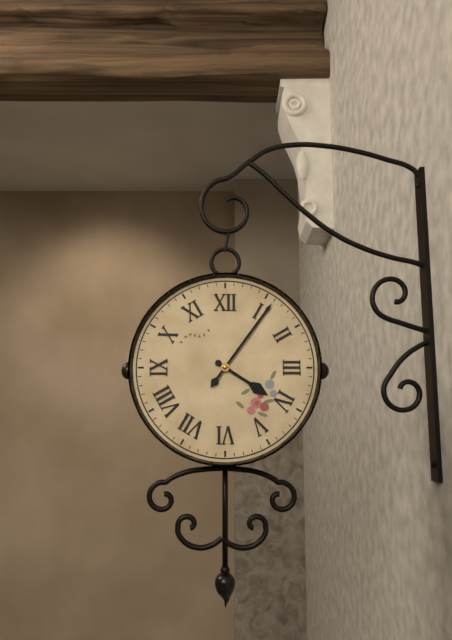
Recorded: 4:06
